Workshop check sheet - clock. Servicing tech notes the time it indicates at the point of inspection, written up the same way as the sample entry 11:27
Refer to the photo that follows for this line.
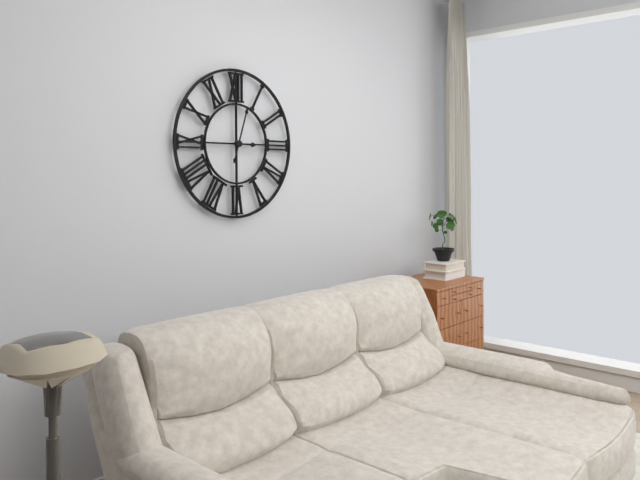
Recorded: 3:03
